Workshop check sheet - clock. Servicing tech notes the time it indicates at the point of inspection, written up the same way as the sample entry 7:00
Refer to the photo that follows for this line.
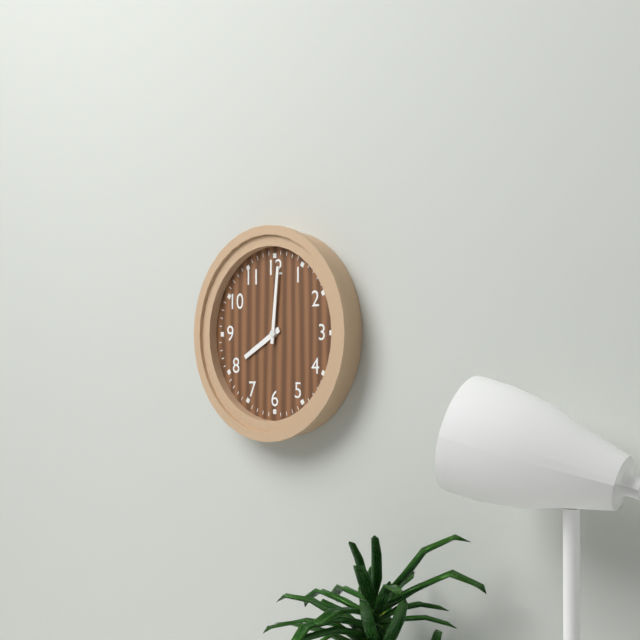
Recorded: 8:01
